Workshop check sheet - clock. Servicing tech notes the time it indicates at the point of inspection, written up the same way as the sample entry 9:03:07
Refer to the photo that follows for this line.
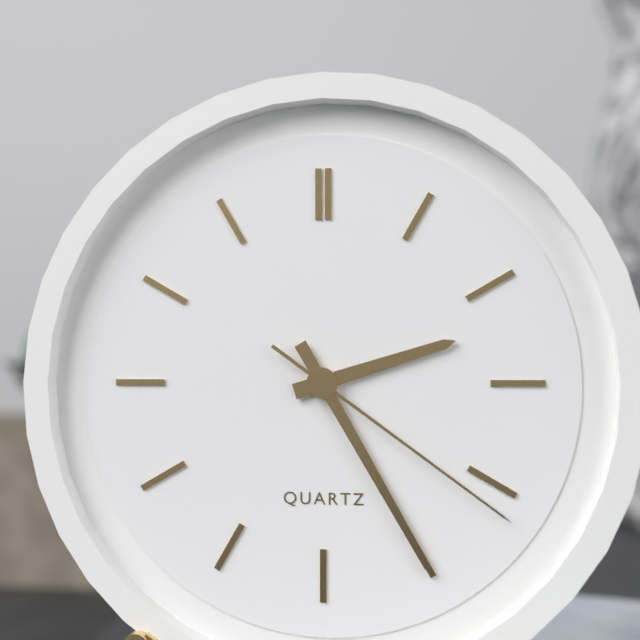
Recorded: 2:25:21
